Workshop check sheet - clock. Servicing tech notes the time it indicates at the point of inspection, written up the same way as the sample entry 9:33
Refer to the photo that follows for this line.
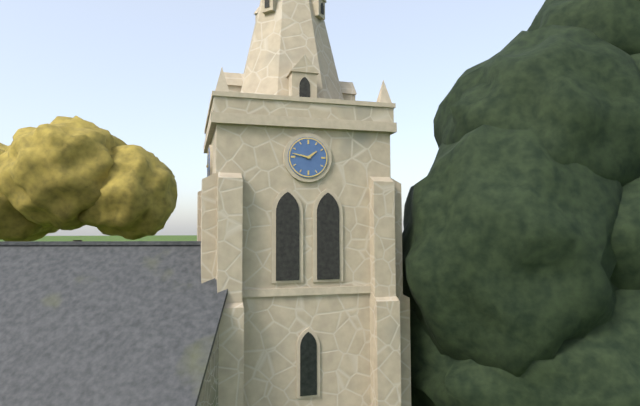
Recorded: 1:47
